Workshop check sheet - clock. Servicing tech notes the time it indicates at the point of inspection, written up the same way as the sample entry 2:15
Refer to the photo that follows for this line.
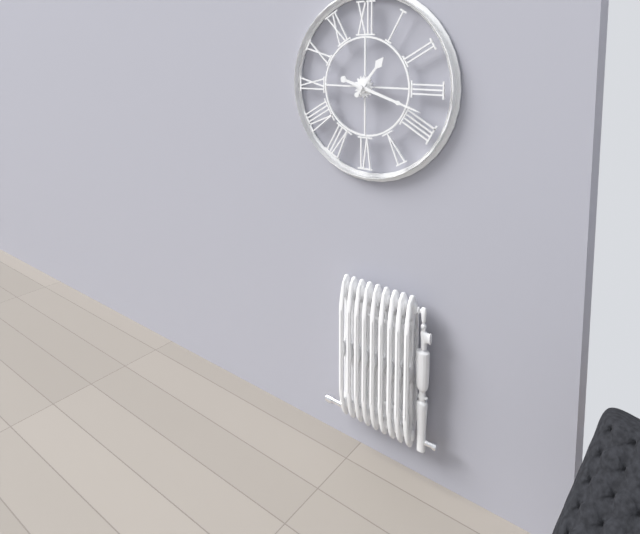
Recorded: 1:18
